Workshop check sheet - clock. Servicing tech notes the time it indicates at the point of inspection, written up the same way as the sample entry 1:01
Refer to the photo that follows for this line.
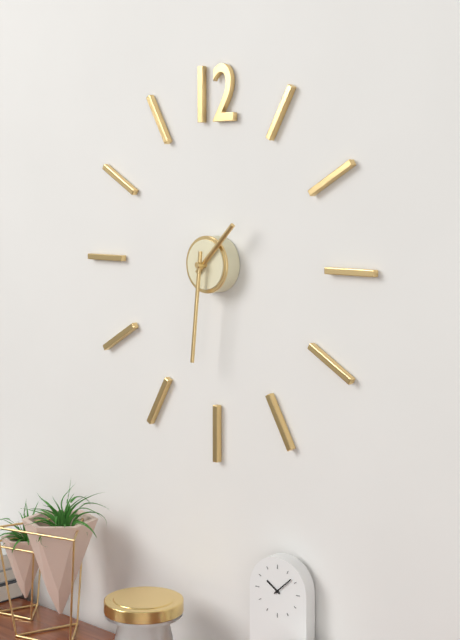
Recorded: 1:31
